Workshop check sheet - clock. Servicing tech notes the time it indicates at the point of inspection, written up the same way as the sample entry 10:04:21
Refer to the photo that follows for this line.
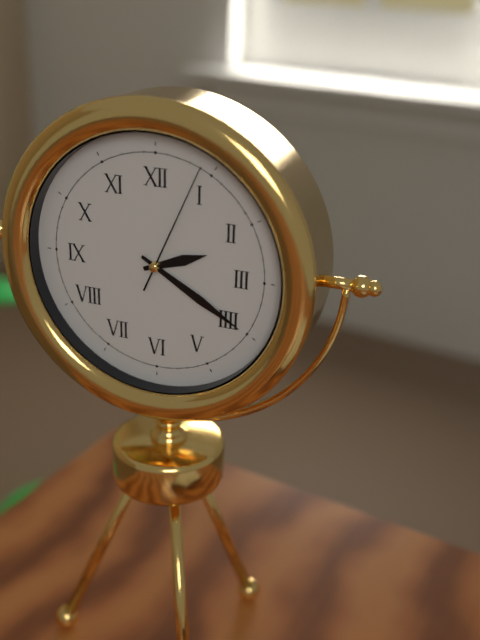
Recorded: 2:20:04
